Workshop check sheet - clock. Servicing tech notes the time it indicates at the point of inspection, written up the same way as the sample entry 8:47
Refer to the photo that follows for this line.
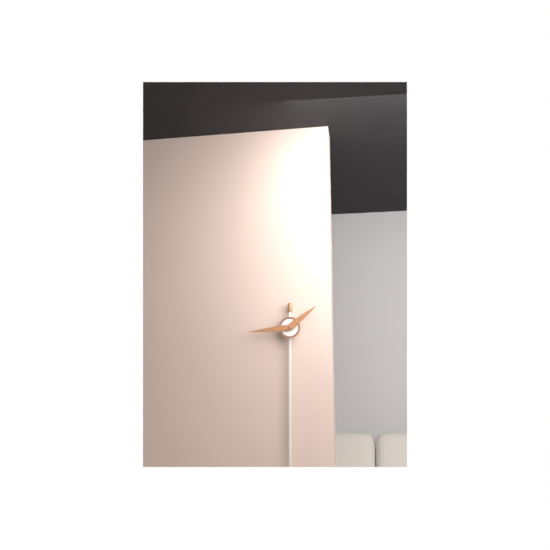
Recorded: 1:44
